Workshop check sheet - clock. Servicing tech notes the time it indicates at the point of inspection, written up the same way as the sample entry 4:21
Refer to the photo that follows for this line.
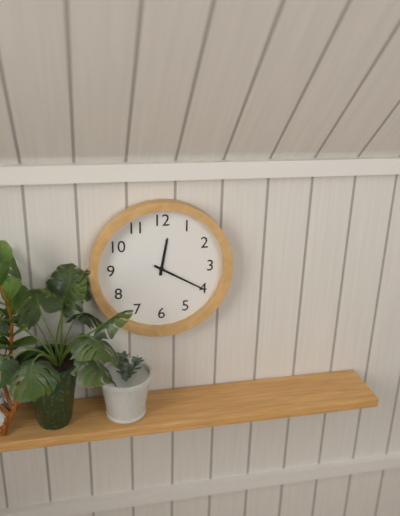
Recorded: 12:20
